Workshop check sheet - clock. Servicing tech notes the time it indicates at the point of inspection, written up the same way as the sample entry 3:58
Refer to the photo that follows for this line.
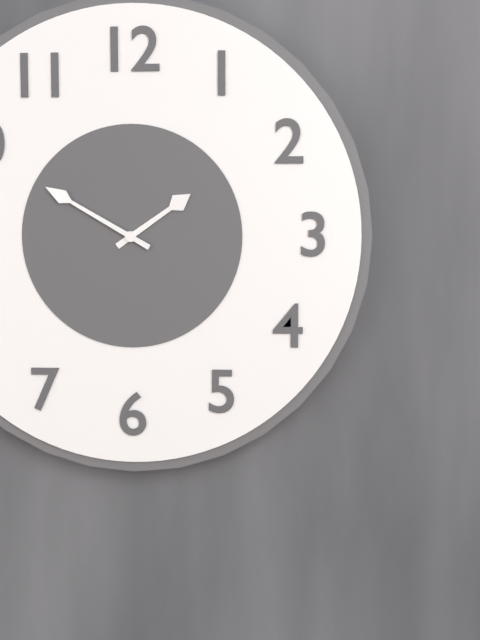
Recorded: 1:50
